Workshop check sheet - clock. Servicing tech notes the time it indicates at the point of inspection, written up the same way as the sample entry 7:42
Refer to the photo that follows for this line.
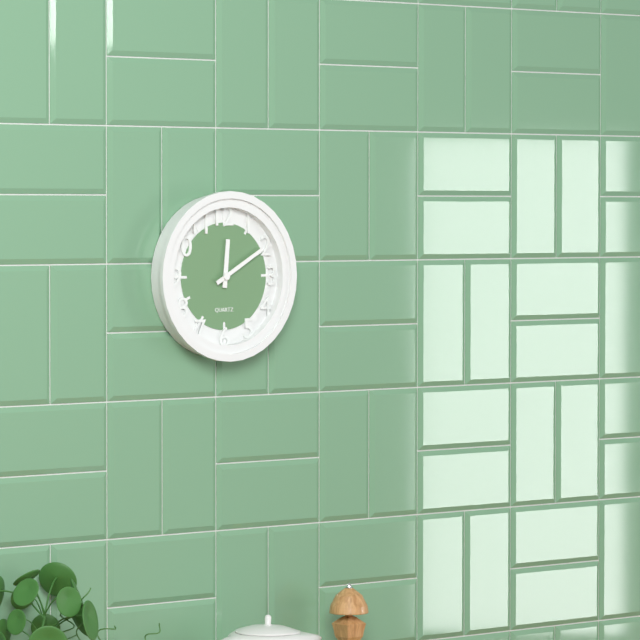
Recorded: 12:10
